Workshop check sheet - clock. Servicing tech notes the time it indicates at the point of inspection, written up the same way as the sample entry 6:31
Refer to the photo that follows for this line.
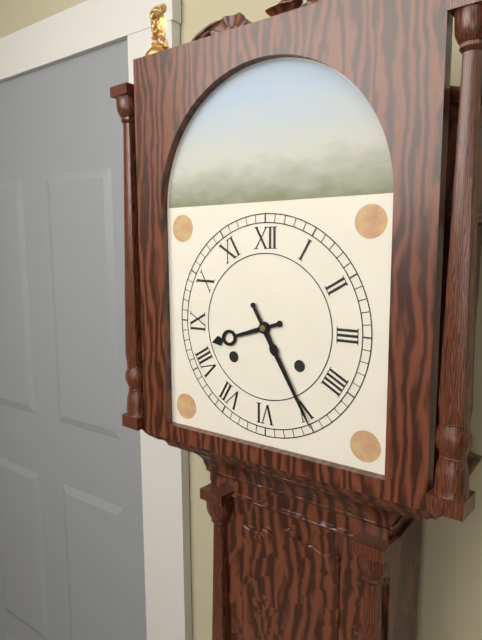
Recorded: 8:25
